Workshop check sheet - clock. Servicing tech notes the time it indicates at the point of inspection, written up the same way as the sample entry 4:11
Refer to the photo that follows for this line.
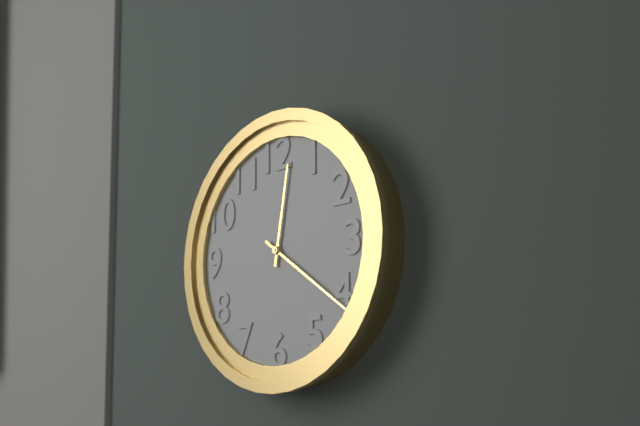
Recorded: 12:21
